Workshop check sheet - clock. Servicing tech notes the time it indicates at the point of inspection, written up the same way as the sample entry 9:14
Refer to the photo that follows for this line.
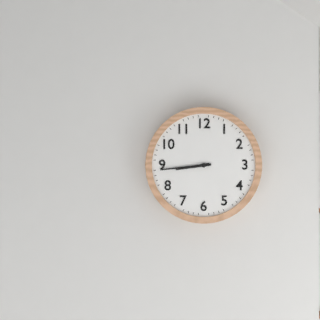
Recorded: 8:44
